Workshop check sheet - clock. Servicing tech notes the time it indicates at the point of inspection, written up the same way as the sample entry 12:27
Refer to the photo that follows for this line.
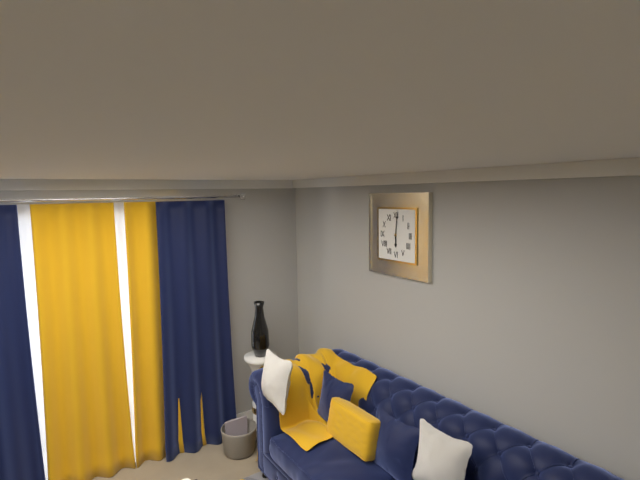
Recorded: 6:01
